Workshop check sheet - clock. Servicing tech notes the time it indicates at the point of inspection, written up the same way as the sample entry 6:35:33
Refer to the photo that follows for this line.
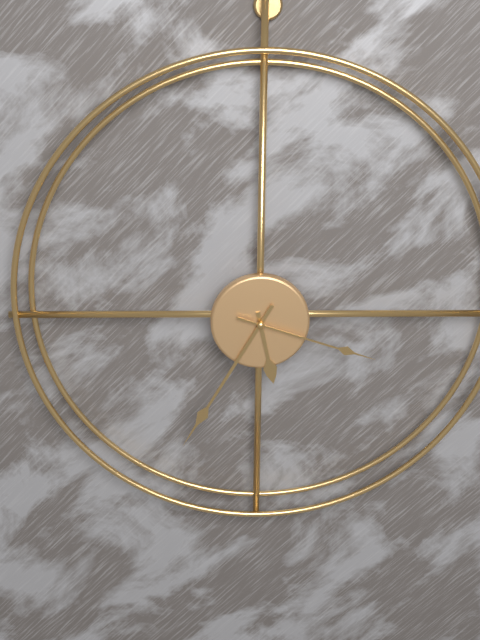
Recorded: 5:35:18
